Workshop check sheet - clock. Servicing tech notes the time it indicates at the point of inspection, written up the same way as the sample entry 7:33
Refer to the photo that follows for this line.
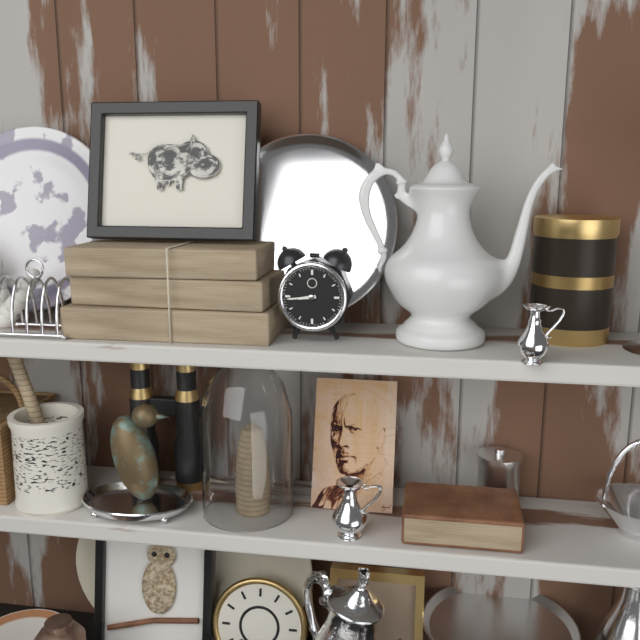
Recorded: 8:44
